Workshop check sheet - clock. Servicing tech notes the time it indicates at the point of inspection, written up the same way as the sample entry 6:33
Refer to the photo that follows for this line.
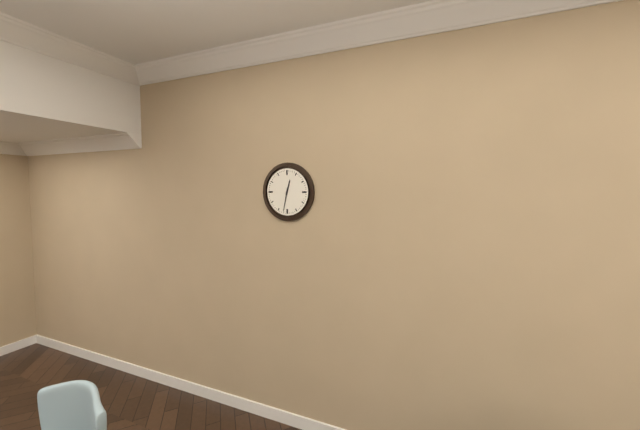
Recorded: 12:32
